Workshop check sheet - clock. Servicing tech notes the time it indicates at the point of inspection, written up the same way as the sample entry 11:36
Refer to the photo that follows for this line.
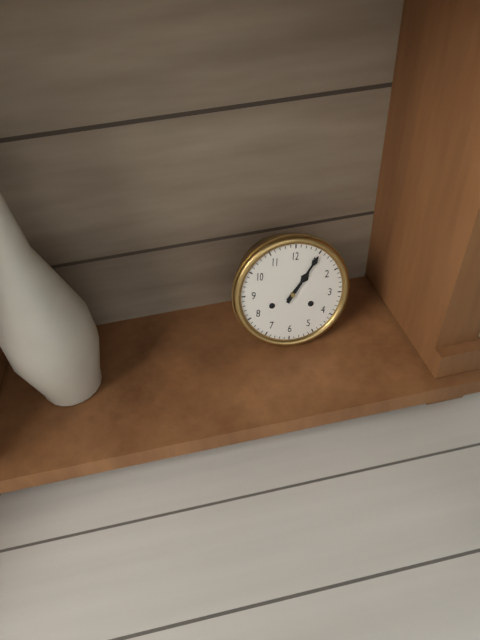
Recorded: 1:05
